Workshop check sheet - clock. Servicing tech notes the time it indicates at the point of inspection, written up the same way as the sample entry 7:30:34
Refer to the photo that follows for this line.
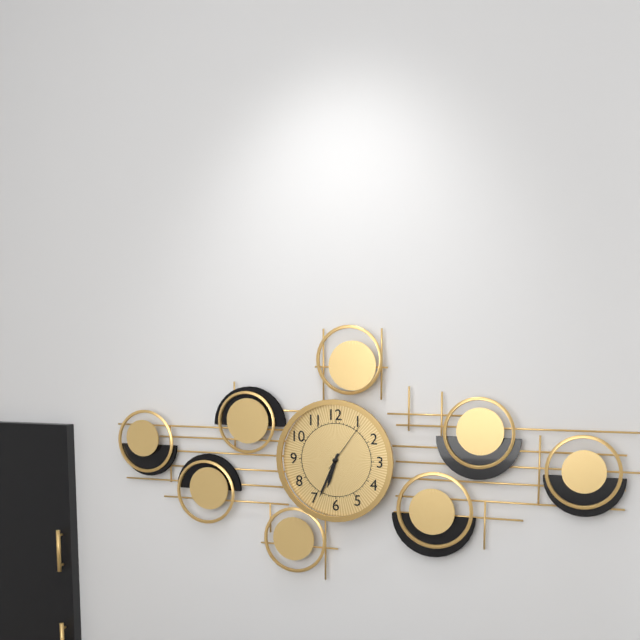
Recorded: 6:34:06
